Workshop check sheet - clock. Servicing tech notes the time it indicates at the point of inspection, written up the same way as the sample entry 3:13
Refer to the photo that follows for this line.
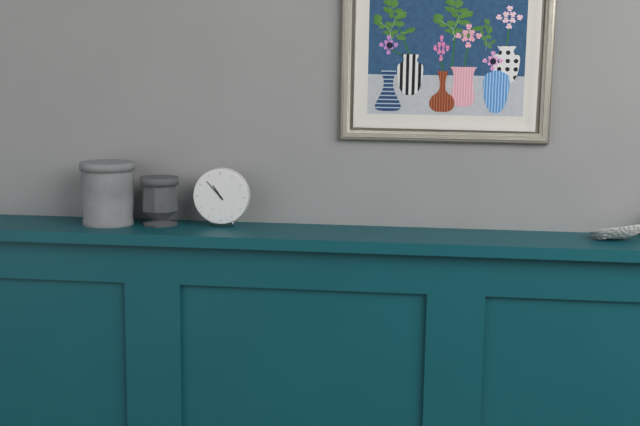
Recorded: 10:53
